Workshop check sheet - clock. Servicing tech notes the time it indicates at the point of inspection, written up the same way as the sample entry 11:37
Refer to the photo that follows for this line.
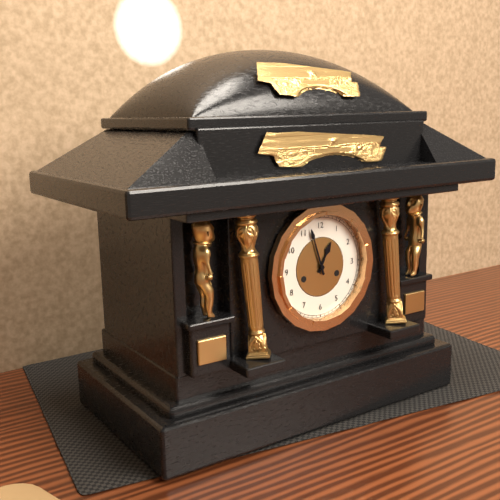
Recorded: 12:57
